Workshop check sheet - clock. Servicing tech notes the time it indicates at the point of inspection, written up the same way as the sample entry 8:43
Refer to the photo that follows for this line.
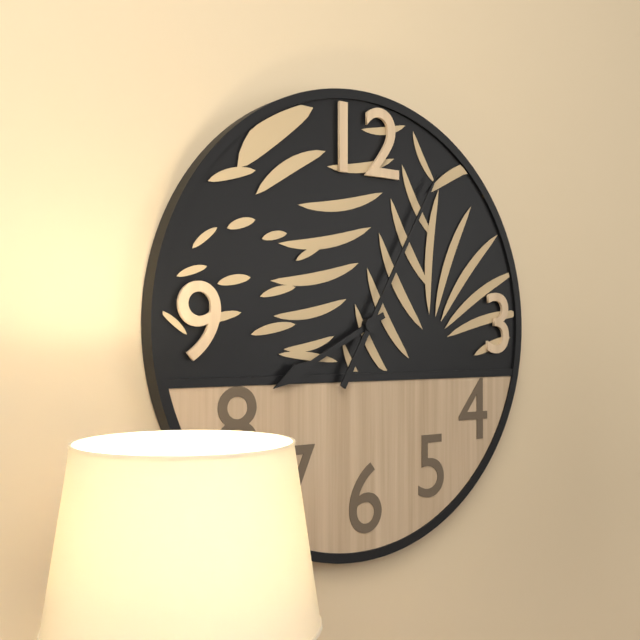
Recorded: 8:05
